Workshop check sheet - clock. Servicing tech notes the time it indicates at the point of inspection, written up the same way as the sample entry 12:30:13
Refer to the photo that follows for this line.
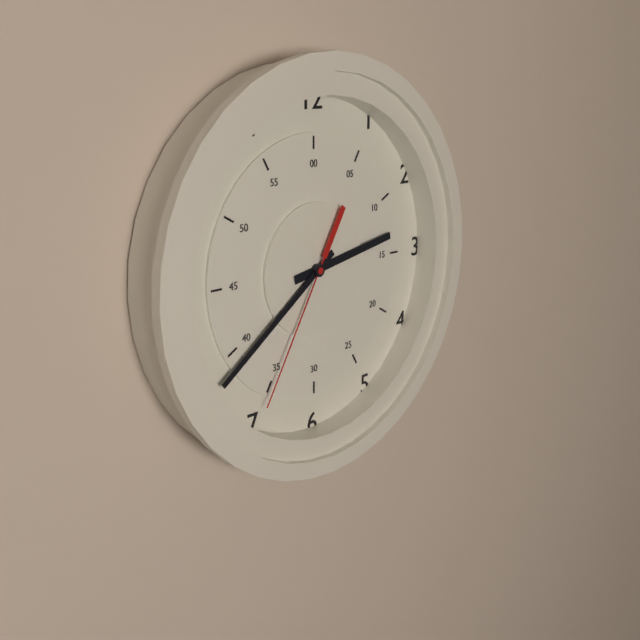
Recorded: 2:39:35
